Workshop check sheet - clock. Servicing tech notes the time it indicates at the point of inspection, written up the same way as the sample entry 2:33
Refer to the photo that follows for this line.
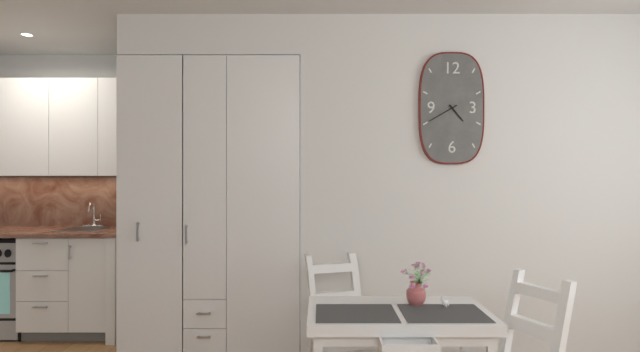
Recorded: 4:40
